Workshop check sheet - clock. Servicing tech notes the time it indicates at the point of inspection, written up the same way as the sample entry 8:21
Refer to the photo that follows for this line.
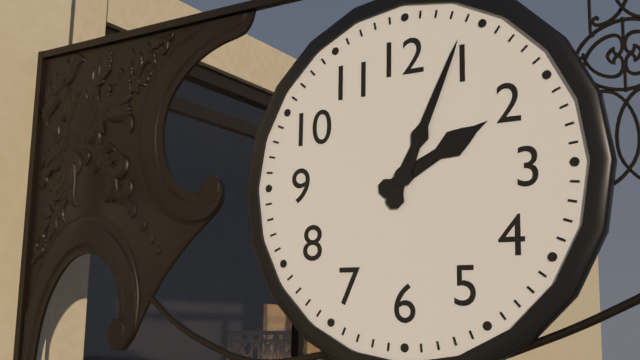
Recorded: 2:04
